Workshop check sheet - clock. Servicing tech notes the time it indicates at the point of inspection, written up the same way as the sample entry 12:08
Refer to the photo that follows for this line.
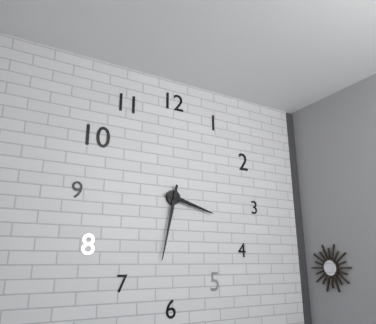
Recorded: 3:32
